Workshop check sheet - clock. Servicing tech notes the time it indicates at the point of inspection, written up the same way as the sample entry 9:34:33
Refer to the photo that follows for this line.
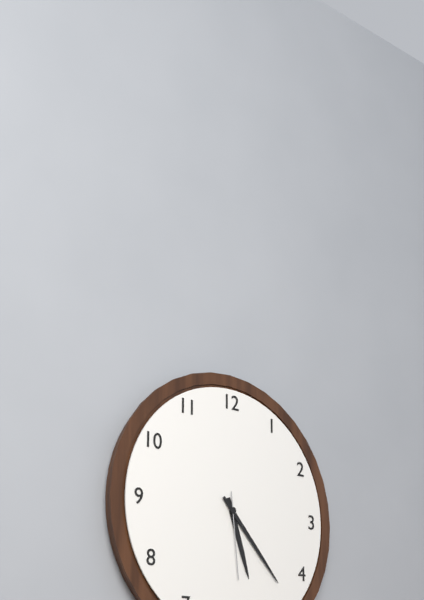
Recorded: 5:23:29
